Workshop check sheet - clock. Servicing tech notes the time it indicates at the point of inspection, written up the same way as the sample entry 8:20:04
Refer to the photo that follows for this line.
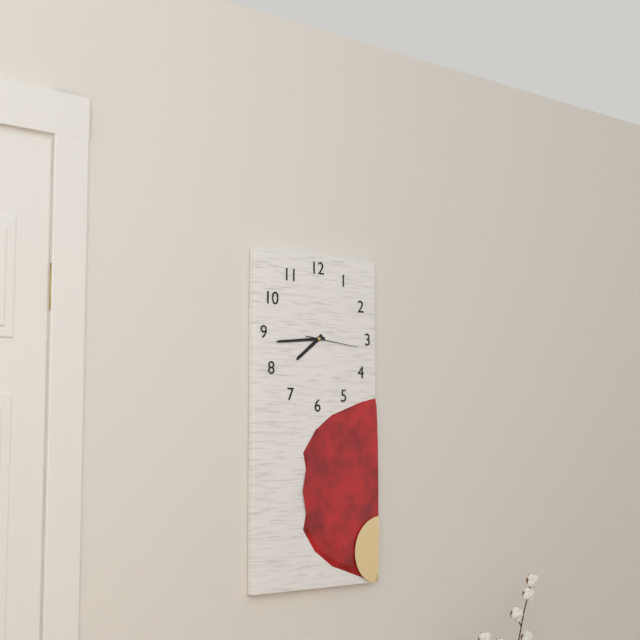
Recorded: 7:44:16
